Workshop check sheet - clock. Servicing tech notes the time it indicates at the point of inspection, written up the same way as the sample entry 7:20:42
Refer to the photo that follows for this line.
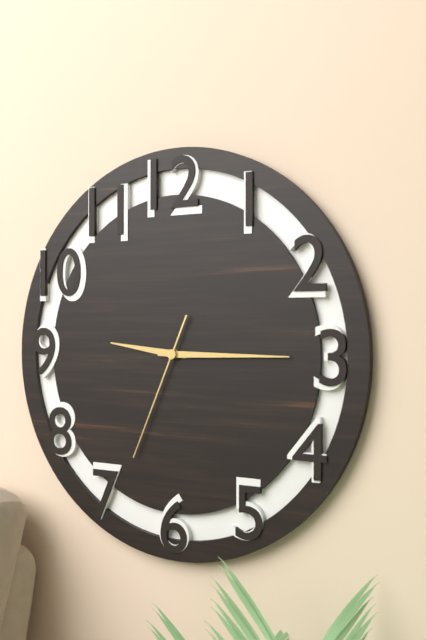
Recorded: 9:15:34
